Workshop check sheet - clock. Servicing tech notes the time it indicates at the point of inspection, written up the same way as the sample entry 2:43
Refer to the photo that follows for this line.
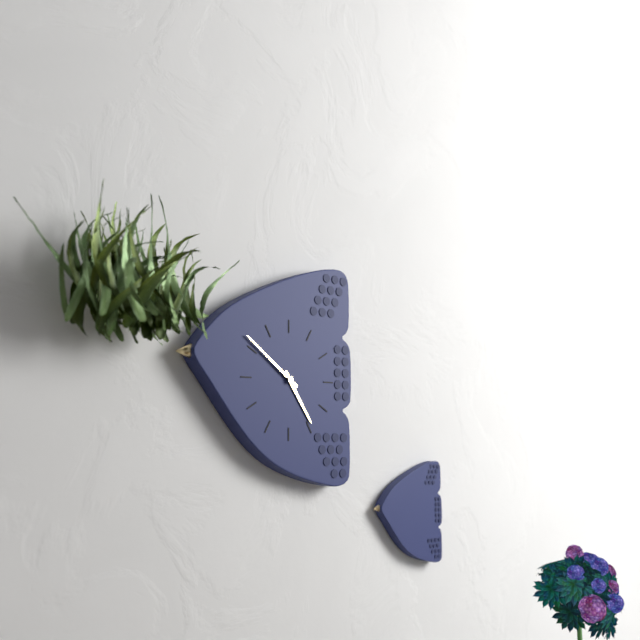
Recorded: 4:51
